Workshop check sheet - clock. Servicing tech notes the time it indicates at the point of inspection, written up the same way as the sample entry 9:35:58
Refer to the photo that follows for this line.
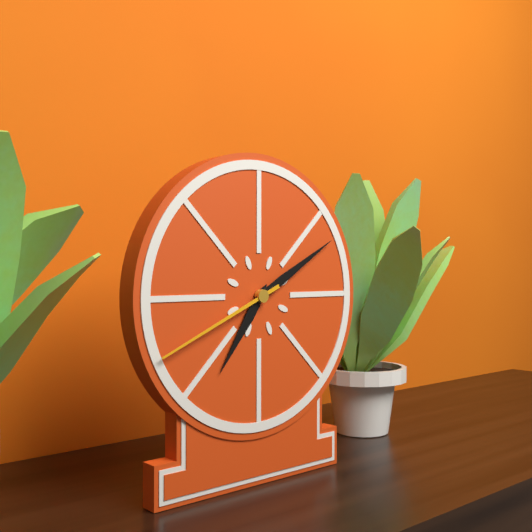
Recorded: 7:10:41
